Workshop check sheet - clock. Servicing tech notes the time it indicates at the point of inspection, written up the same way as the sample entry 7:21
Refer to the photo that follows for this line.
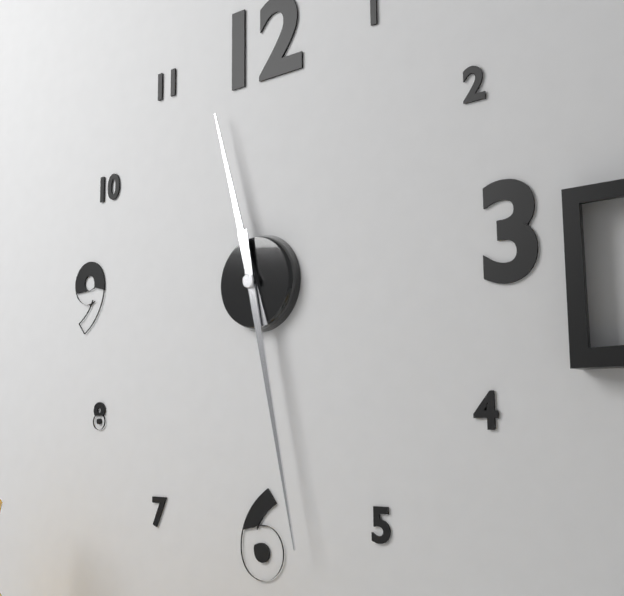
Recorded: 11:28
